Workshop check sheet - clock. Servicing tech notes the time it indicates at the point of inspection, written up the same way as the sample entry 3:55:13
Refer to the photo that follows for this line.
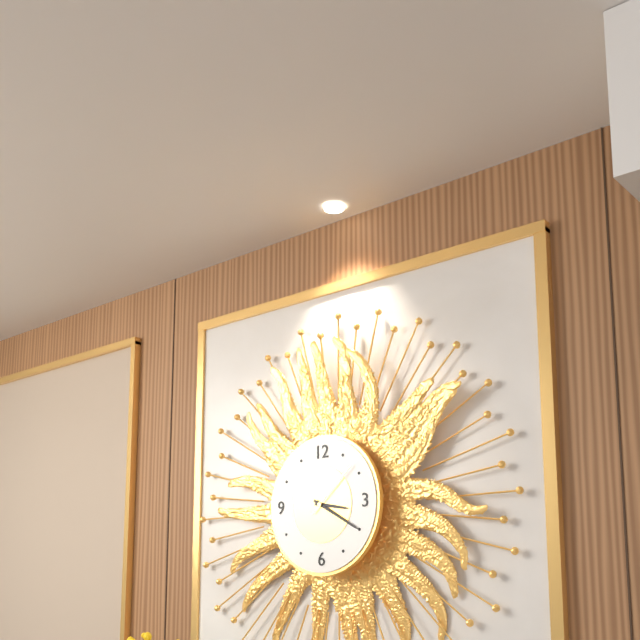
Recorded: 3:20:08
